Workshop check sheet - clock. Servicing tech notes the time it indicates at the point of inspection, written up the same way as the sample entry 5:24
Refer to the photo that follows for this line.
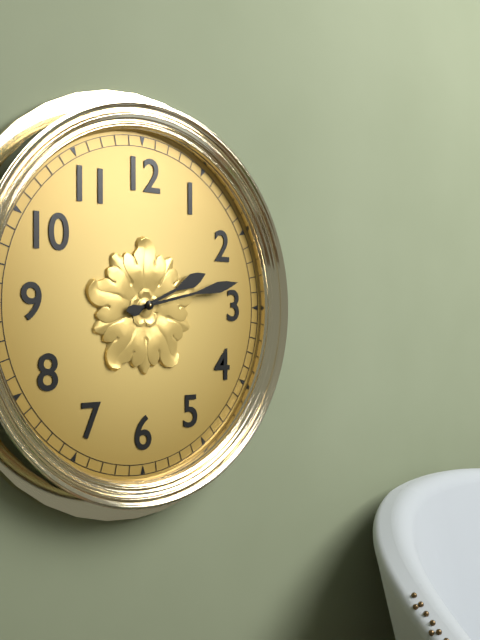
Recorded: 2:13
